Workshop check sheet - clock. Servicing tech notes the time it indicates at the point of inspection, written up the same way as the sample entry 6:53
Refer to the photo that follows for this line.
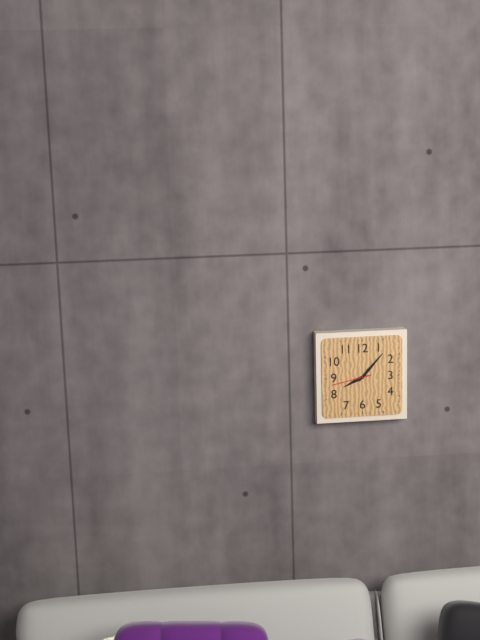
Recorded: 8:07
